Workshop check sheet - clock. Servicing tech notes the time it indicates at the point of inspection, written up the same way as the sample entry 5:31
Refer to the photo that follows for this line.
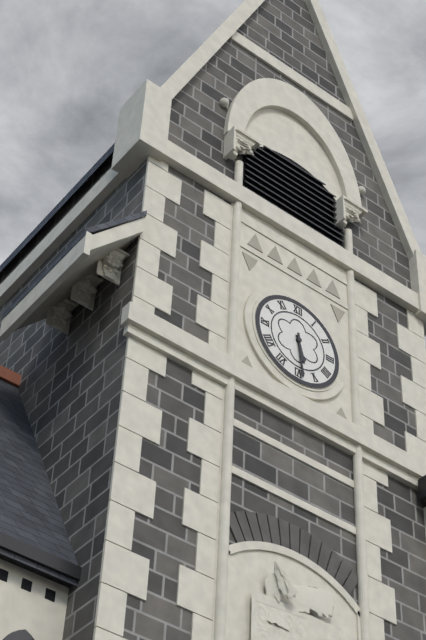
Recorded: 5:29
